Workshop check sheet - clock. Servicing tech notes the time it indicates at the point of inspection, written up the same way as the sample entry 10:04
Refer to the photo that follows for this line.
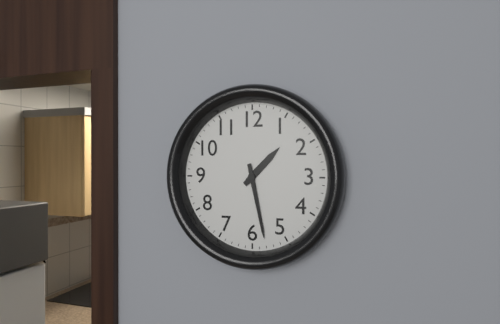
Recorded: 1:28
